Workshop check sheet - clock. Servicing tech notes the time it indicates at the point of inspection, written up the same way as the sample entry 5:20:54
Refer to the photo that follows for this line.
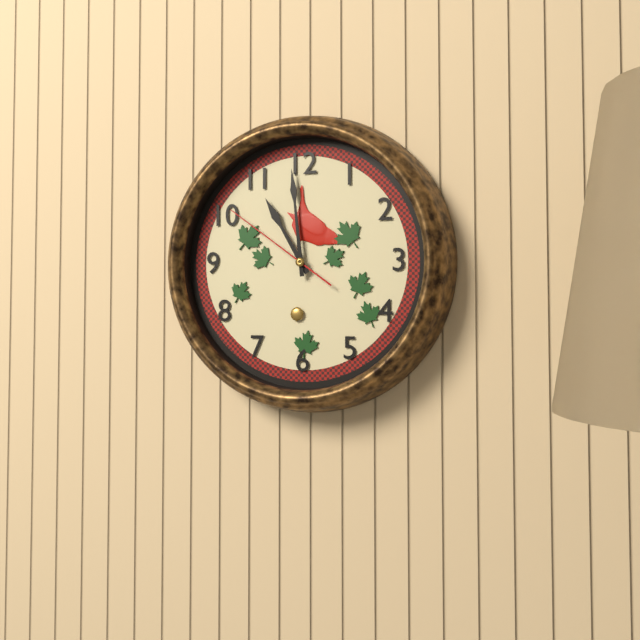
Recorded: 10:59:51
